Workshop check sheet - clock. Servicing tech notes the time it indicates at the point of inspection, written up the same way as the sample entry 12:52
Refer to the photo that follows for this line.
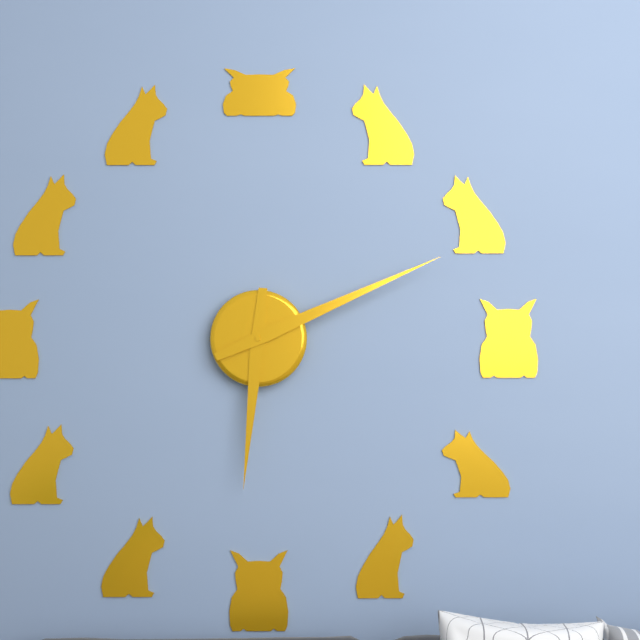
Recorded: 6:11
